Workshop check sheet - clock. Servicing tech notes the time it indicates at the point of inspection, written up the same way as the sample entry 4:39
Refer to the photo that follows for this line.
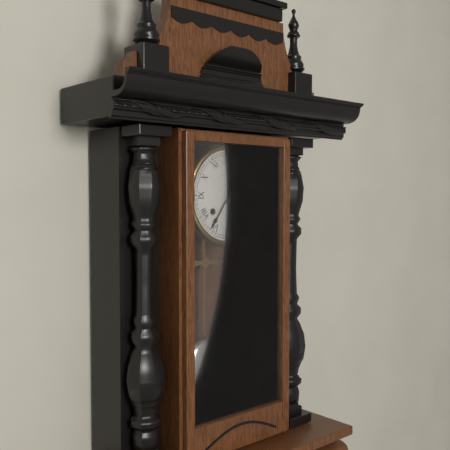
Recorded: 12:36
